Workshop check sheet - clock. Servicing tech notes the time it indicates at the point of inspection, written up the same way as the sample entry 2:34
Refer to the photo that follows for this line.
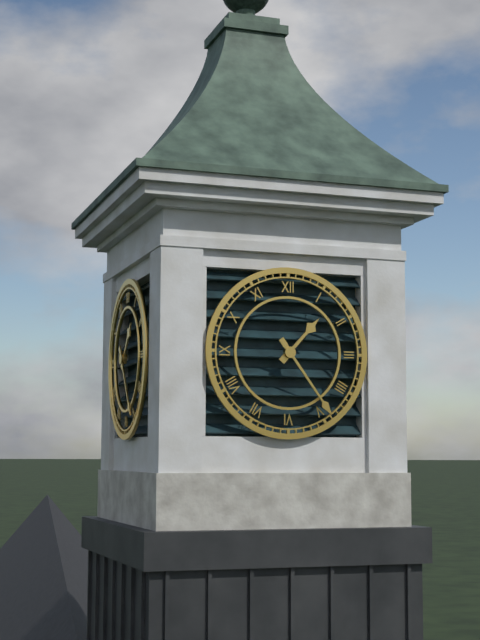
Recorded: 1:24
